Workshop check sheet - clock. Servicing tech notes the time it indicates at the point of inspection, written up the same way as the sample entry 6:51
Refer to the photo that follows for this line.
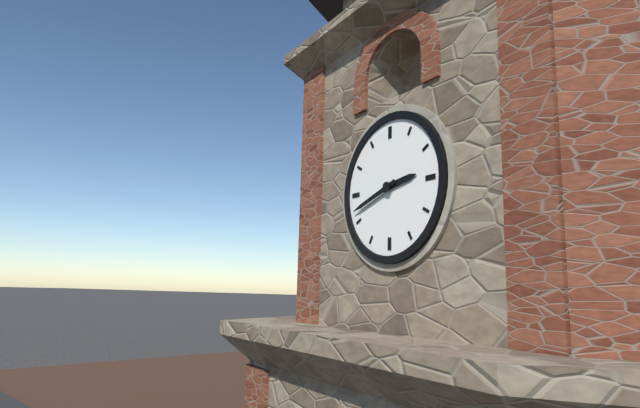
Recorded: 2:42
